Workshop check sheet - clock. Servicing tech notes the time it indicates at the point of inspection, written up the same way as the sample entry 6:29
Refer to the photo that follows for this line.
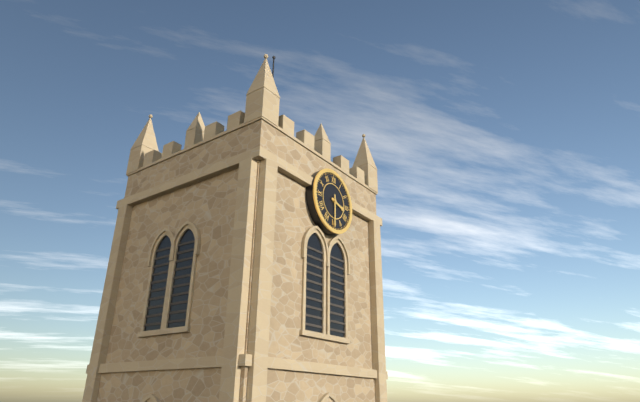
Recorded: 3:30
